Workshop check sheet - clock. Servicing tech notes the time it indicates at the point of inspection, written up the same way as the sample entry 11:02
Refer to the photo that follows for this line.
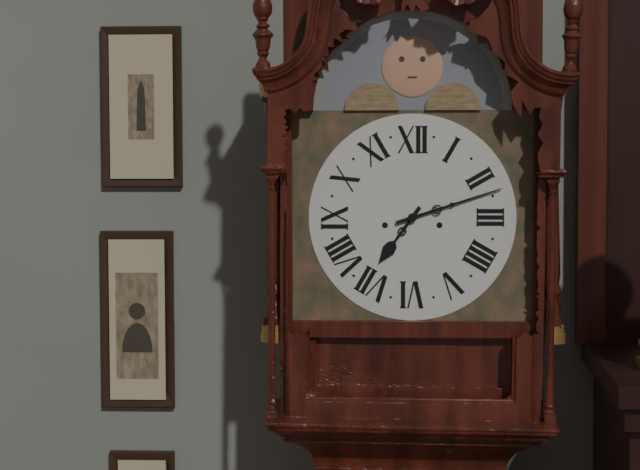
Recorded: 7:12
